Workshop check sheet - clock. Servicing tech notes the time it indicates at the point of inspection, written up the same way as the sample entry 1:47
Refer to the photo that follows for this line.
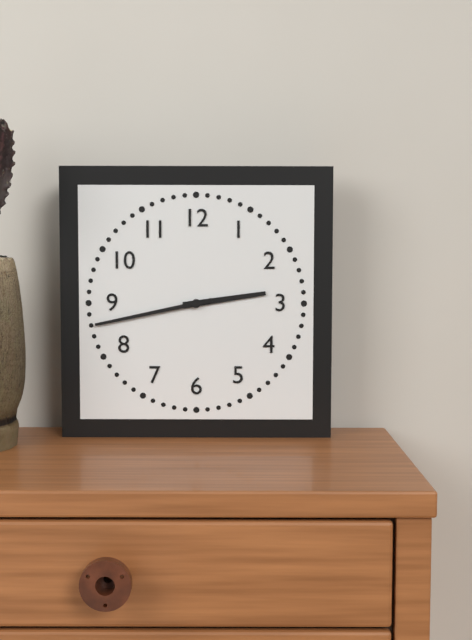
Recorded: 2:43
